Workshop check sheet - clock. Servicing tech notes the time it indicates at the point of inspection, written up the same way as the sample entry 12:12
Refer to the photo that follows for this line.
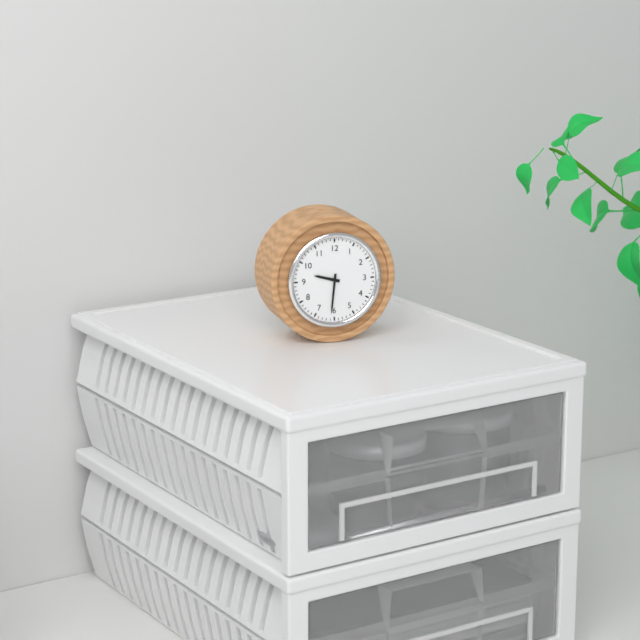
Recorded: 9:31
